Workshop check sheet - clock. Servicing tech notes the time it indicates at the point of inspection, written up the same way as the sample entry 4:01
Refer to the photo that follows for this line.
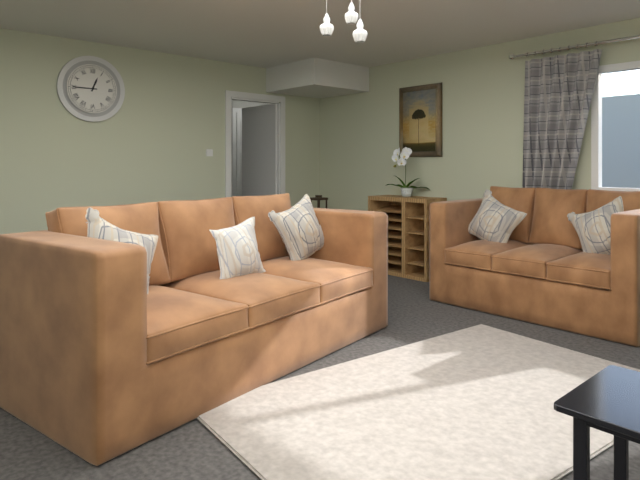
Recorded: 12:45
